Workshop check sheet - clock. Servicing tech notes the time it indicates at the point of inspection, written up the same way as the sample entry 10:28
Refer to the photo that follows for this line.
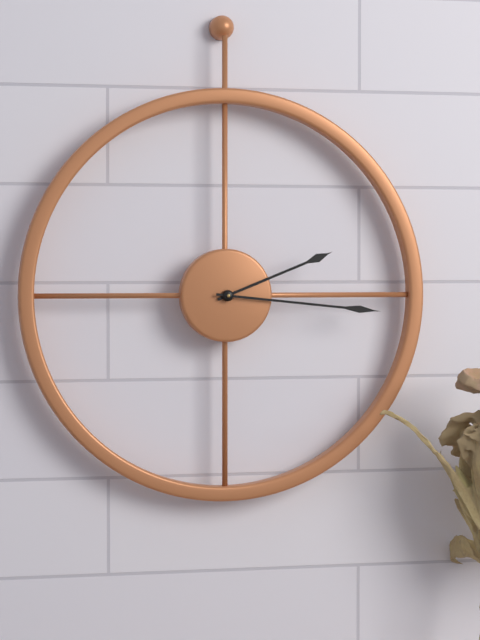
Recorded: 2:16
